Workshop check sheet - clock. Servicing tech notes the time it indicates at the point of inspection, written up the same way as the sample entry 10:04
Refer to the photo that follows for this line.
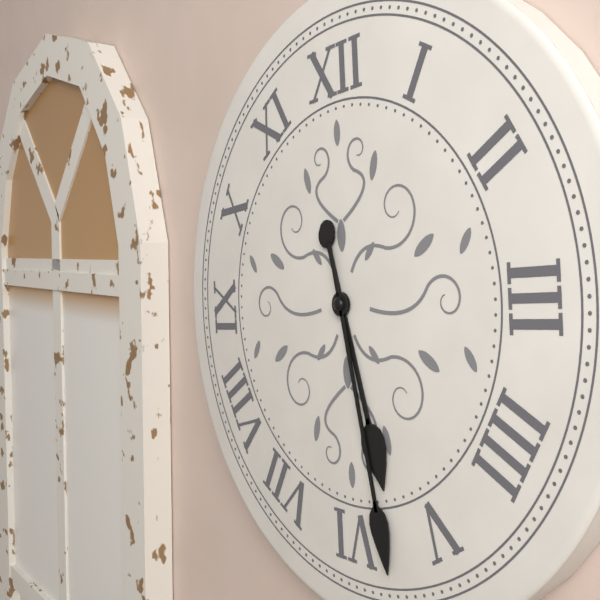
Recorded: 5:28
